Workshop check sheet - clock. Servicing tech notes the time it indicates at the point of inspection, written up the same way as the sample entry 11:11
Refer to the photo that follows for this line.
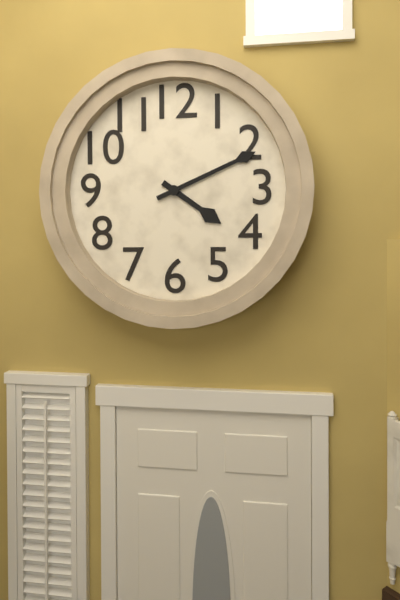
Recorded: 4:11
